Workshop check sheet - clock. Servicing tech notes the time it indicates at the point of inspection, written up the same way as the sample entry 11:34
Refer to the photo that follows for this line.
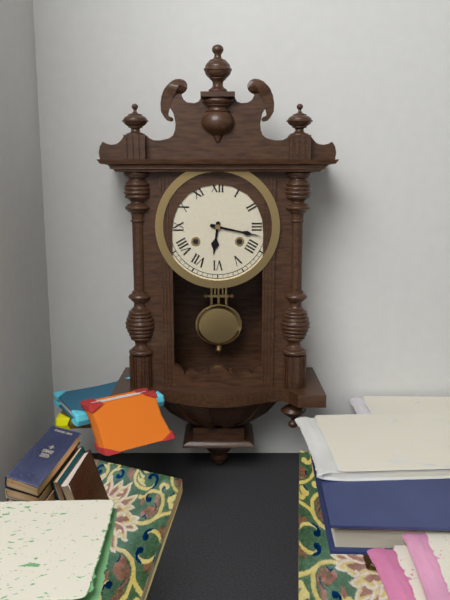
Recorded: 6:17
